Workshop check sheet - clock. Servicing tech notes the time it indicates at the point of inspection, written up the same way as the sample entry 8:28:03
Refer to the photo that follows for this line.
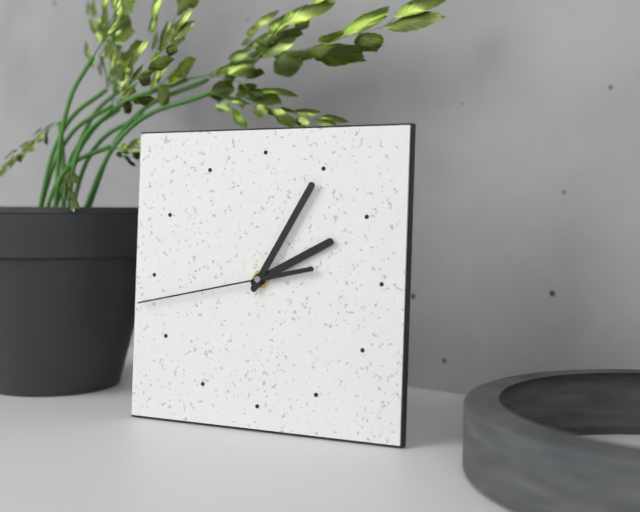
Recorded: 2:05:43
